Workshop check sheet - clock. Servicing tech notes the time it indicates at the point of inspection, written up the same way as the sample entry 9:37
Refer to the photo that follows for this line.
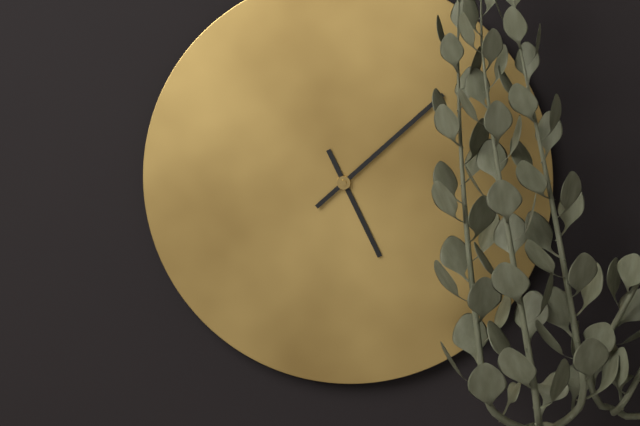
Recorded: 5:08
